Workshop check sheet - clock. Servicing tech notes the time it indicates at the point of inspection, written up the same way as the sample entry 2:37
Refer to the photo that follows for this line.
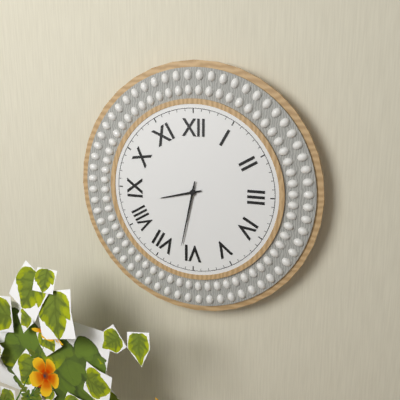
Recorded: 8:32
